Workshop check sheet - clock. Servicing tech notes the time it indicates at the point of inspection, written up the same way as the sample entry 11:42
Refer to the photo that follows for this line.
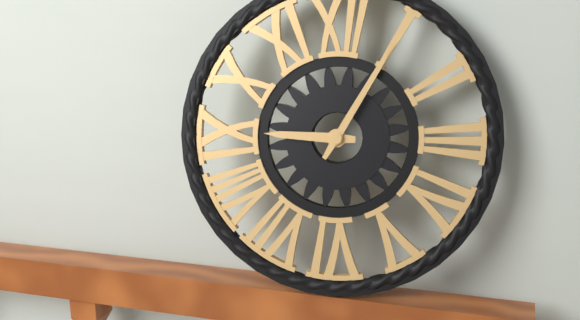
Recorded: 9:05
